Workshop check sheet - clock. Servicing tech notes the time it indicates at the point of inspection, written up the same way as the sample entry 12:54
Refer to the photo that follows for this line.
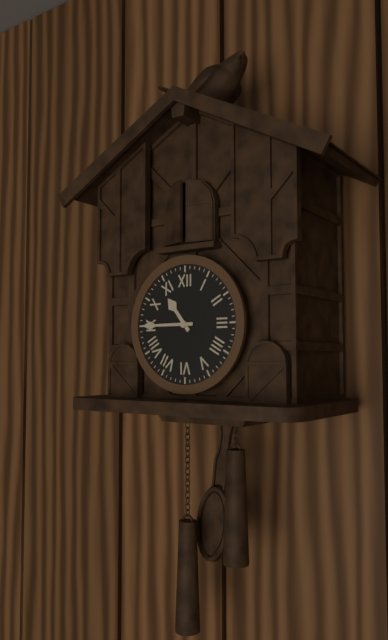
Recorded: 10:45
